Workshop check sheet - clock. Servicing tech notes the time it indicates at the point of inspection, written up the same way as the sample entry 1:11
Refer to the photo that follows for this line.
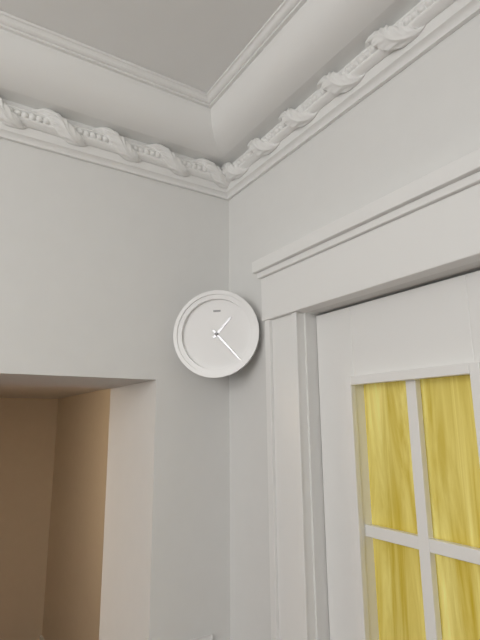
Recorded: 1:23
